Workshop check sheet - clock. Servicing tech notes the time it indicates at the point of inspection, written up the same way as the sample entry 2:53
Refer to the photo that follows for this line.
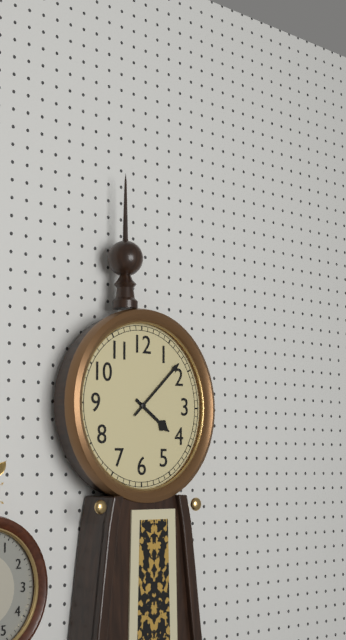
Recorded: 4:08
